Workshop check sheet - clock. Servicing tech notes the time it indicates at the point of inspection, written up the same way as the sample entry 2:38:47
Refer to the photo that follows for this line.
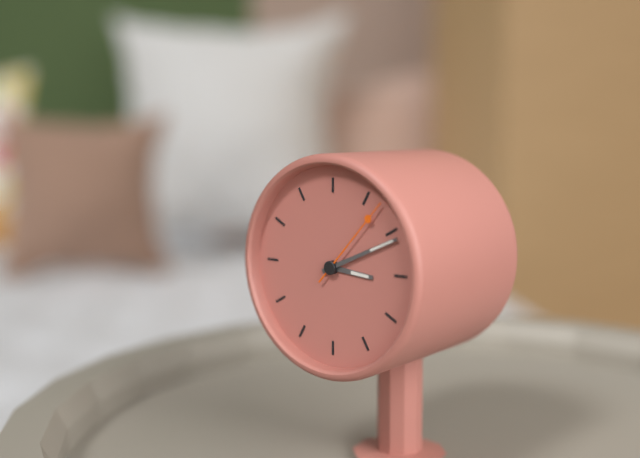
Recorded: 3:11:07
